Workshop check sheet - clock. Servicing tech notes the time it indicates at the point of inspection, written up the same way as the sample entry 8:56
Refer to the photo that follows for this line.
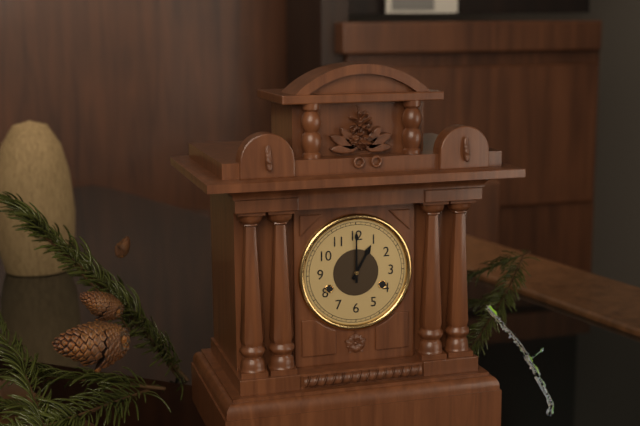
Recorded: 1:00
